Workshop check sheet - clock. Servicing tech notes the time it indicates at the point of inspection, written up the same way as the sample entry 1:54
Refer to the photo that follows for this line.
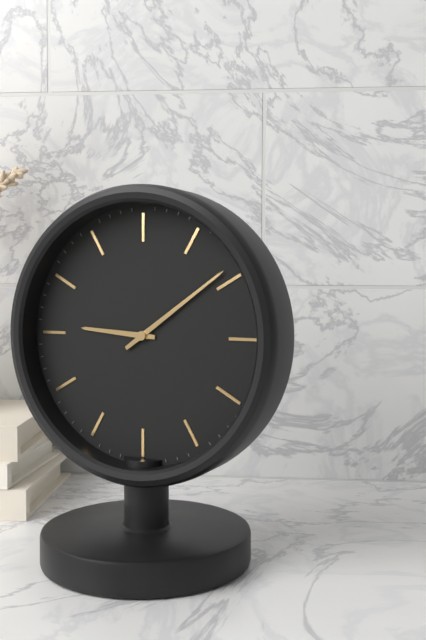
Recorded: 9:09
